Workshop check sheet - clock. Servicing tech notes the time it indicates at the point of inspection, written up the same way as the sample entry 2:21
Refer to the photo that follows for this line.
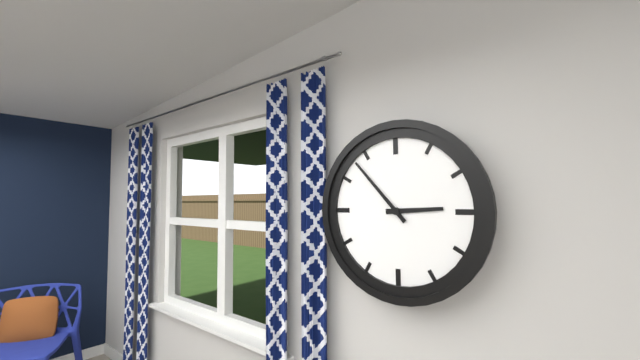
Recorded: 2:53
